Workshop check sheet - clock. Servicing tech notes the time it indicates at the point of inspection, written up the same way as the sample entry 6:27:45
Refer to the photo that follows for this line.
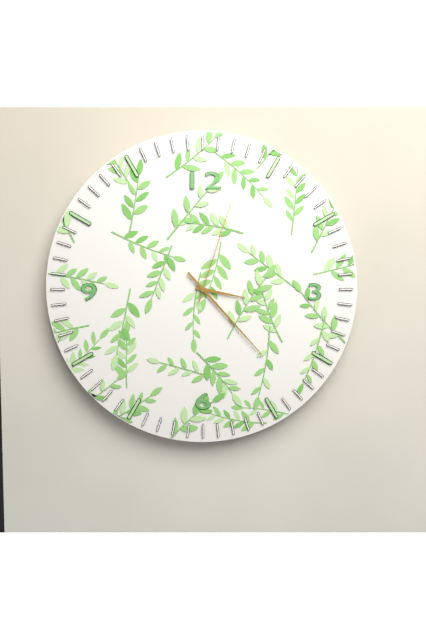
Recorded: 3:23:03
